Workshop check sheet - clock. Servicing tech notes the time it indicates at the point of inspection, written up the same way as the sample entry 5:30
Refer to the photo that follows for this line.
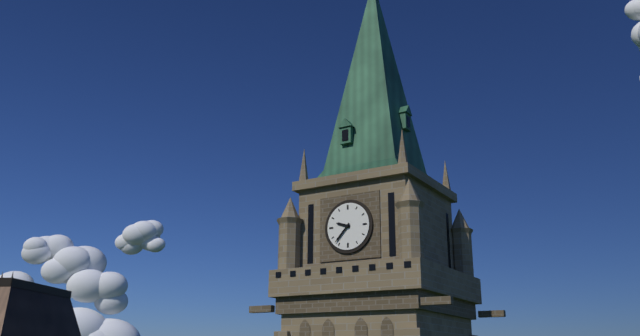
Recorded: 9:37
